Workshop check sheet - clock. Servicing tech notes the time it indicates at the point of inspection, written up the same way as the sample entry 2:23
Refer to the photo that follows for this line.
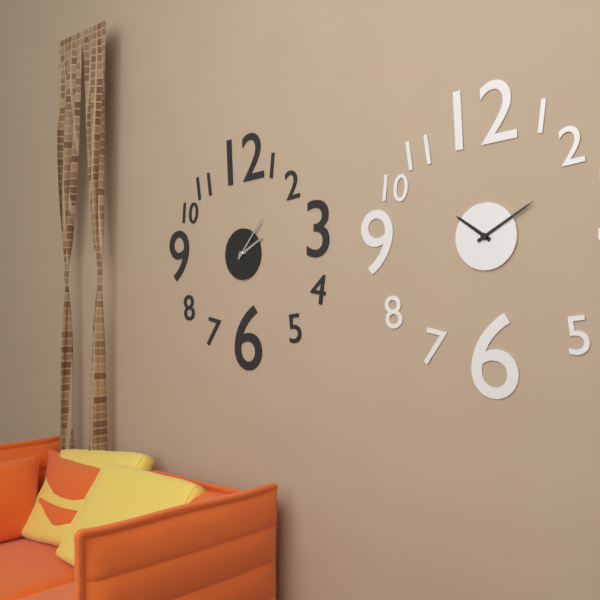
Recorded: 2:07
